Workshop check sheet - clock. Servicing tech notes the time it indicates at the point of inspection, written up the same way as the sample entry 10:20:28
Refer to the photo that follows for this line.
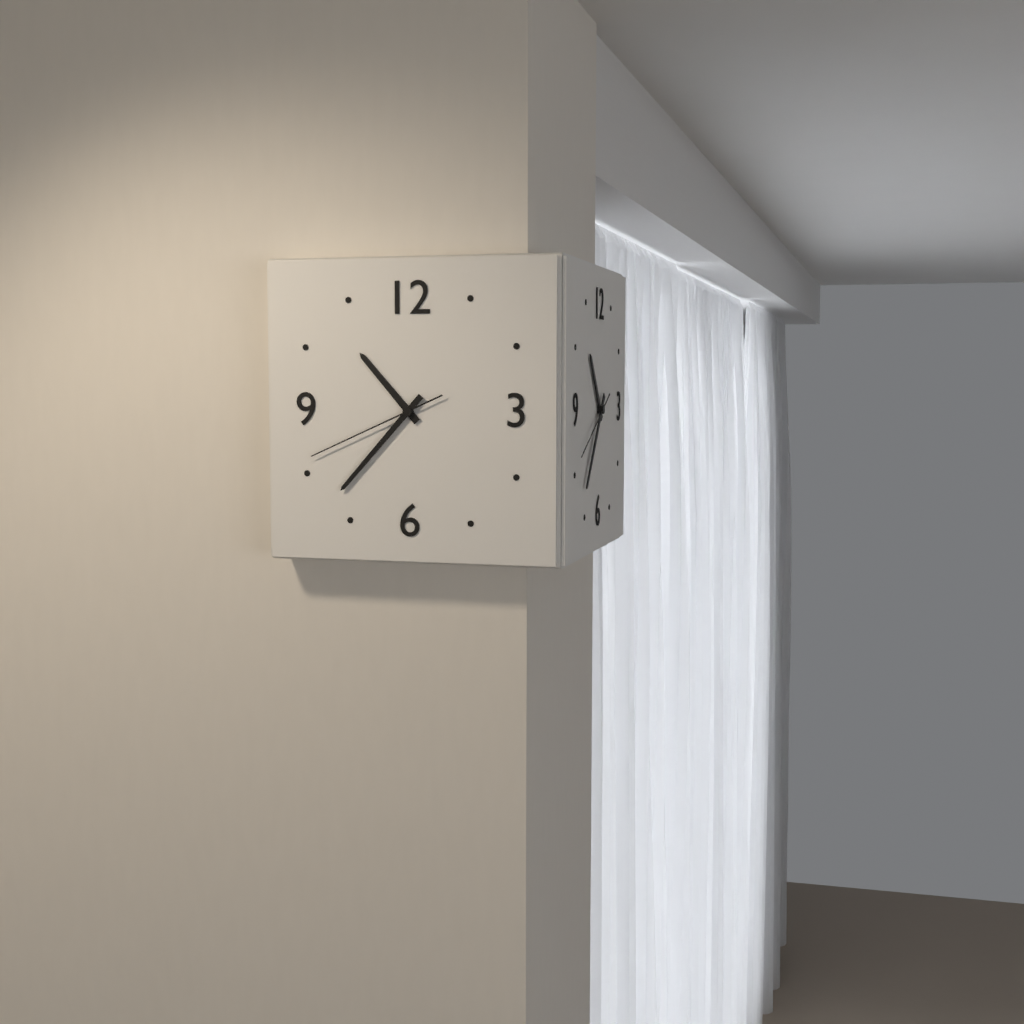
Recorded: 10:37:41
